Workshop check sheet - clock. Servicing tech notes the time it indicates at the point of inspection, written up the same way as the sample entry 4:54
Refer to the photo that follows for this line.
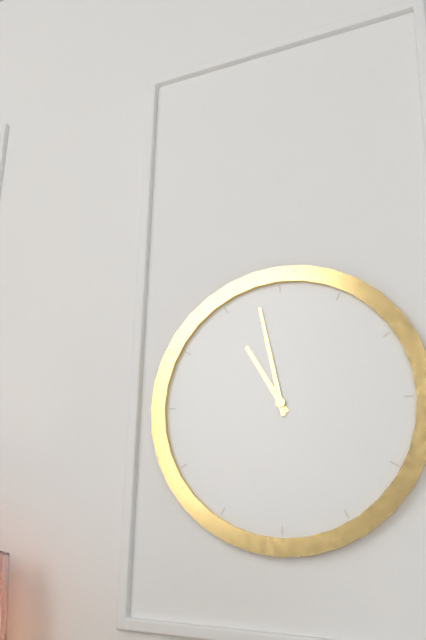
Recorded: 10:58
